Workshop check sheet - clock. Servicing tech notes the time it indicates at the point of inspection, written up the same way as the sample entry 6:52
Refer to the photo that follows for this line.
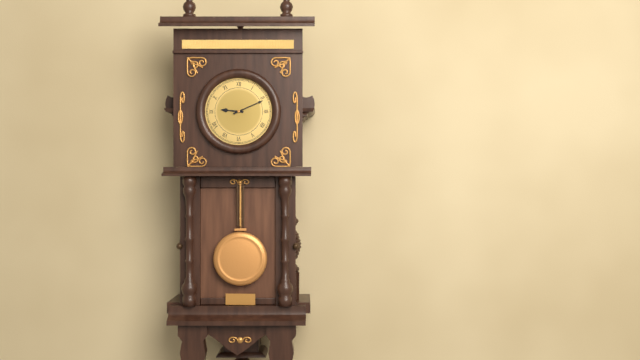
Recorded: 9:11
